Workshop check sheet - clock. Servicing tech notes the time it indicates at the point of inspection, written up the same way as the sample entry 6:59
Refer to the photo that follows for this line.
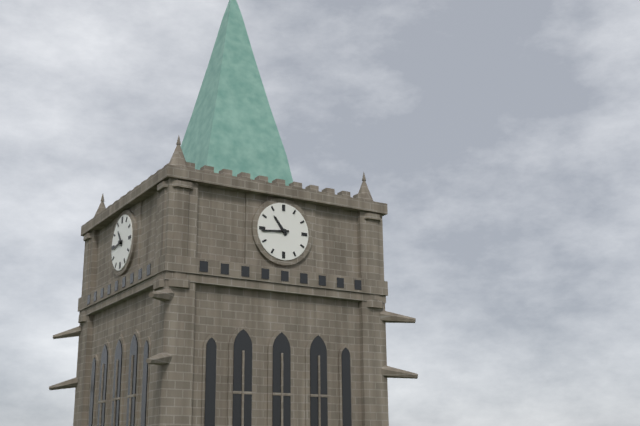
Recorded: 10:44
